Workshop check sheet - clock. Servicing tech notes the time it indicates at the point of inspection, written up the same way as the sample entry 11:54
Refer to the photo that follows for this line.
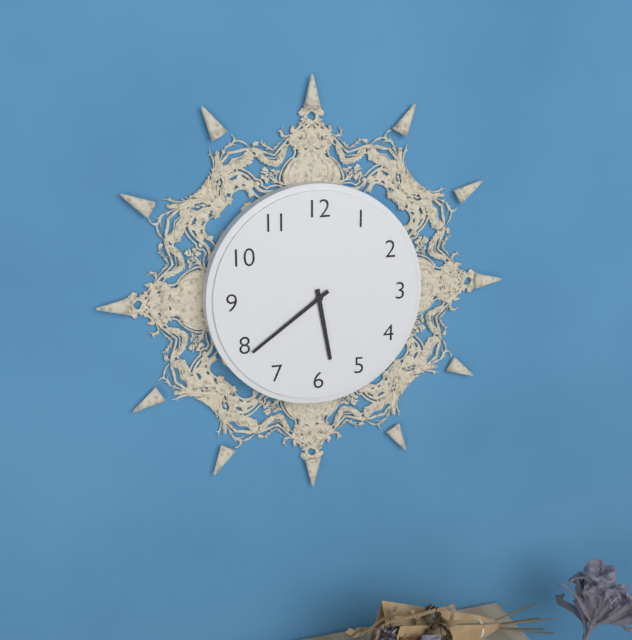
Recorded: 5:39
